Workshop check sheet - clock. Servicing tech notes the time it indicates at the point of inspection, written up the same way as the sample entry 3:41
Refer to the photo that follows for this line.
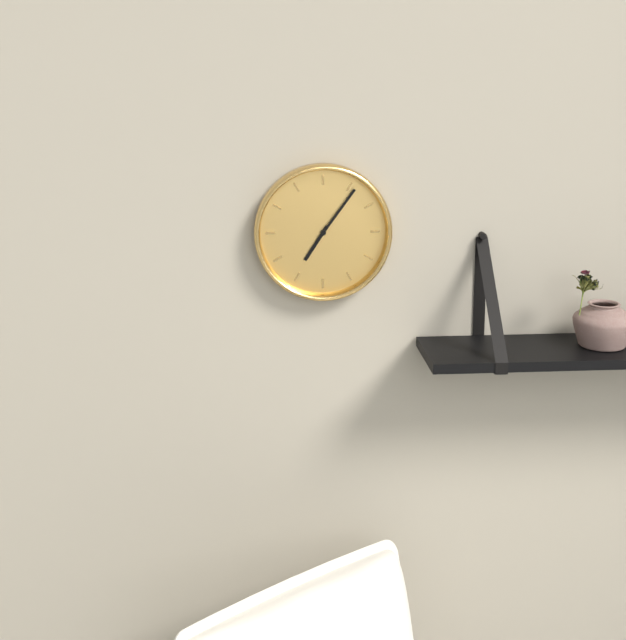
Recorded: 7:06
